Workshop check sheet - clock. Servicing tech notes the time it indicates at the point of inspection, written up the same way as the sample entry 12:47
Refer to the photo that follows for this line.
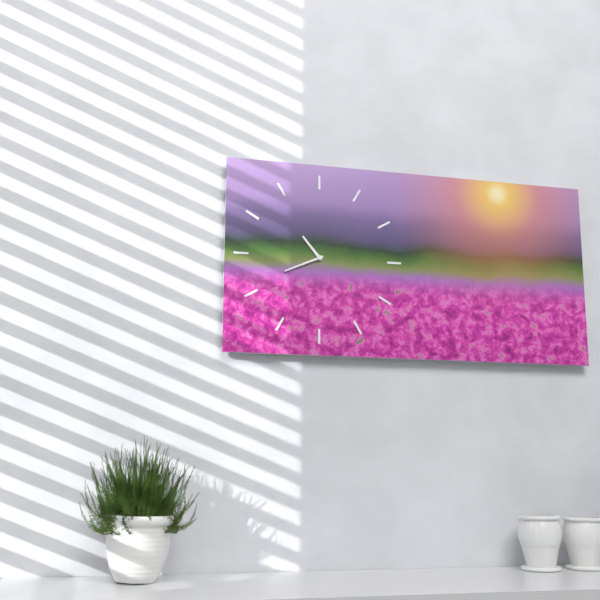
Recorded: 10:41
